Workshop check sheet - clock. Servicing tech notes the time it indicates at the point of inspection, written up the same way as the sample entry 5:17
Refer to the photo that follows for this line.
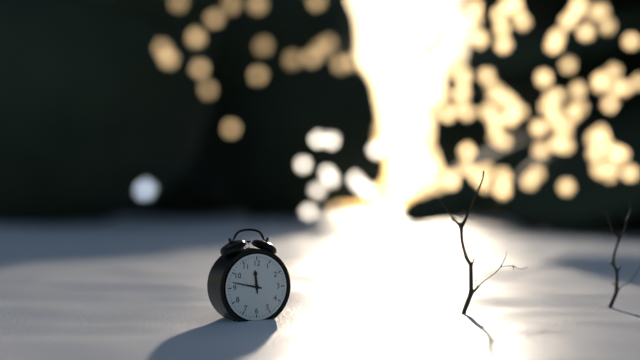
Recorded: 11:47
